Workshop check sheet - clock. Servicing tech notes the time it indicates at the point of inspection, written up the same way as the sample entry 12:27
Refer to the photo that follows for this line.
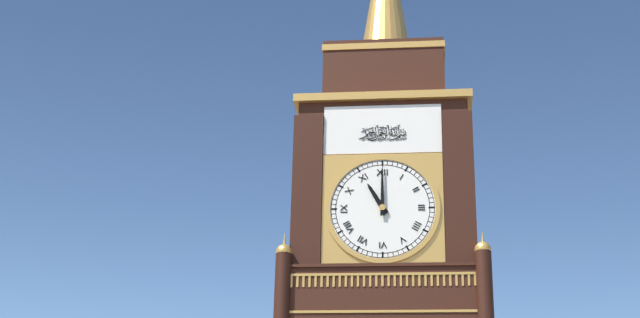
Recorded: 11:00
